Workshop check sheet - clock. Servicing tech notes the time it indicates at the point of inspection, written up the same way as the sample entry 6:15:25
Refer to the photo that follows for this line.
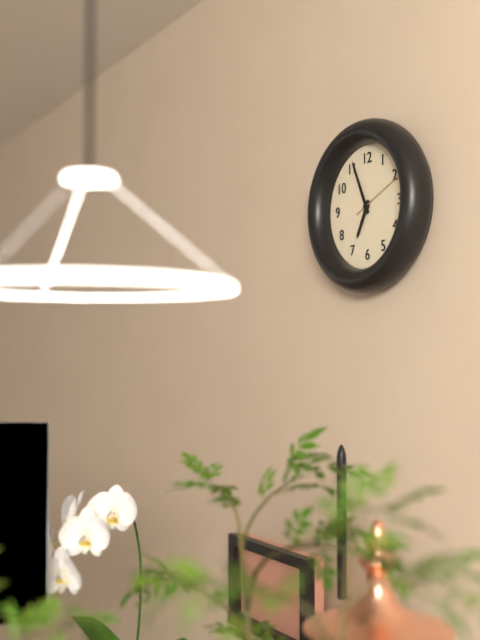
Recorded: 6:56:11
